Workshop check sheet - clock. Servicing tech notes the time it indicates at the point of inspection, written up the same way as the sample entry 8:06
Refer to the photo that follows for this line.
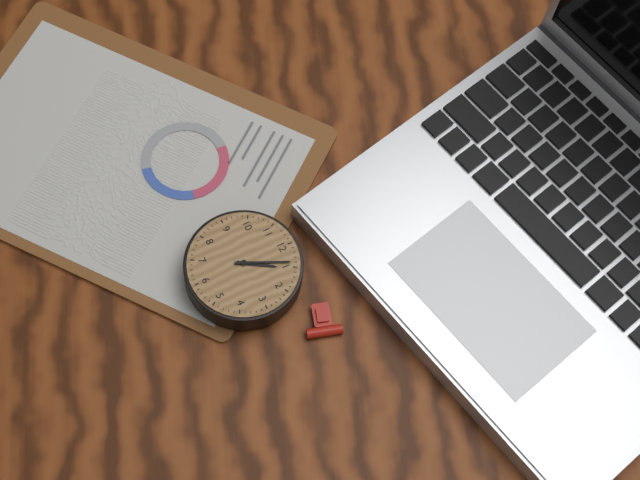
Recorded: 1:04
